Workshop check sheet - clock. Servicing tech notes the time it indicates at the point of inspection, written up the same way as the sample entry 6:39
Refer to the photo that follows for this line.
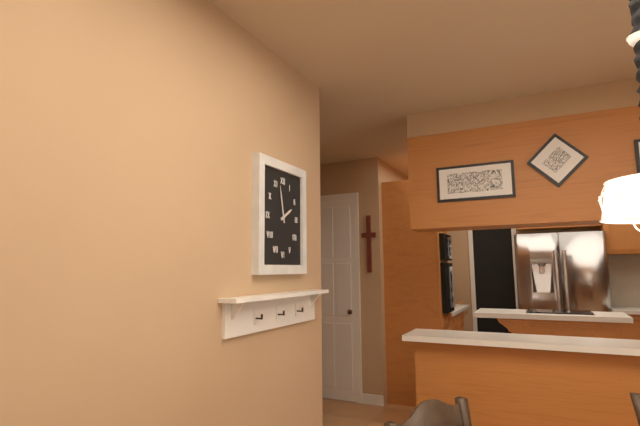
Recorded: 1:58
